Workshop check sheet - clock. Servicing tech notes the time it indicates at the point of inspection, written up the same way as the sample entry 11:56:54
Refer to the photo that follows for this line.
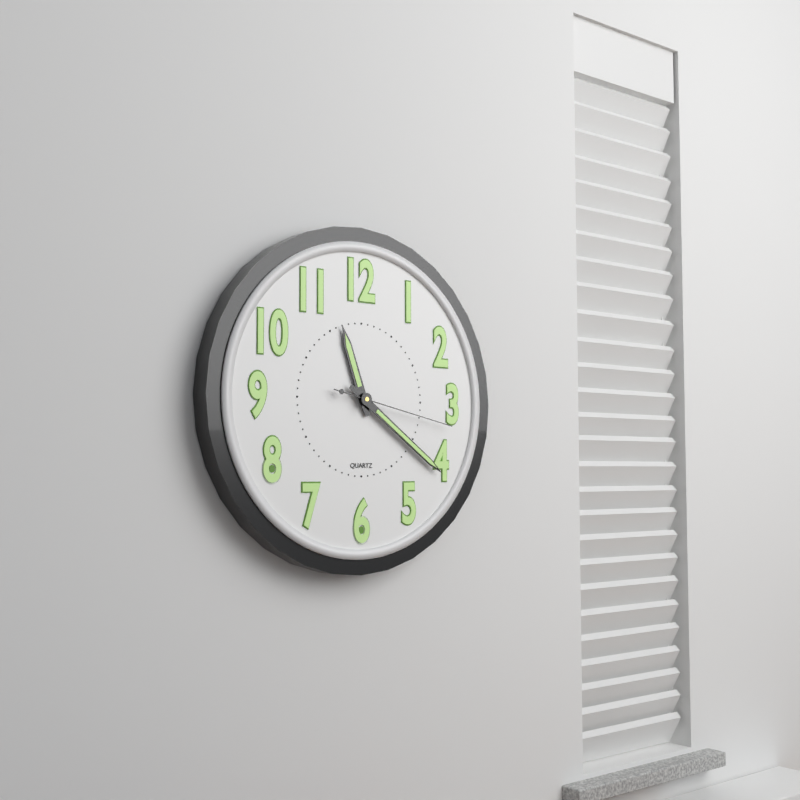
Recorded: 11:21:17
